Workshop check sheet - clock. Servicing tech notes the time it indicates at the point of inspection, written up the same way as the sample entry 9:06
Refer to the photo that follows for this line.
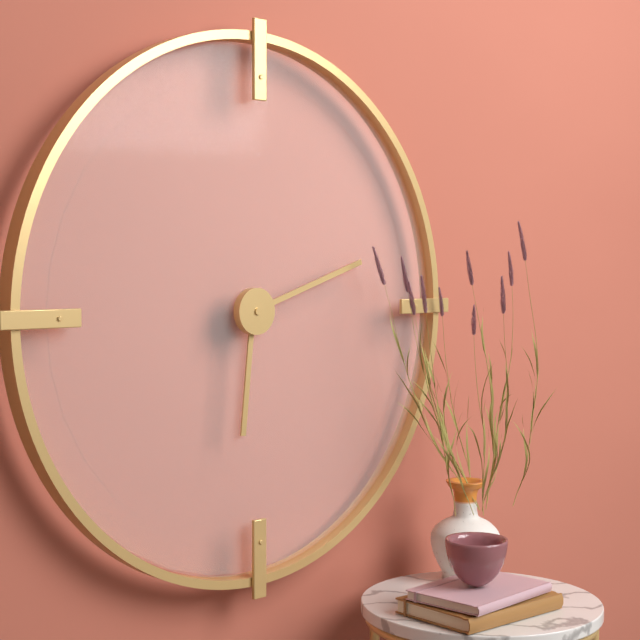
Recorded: 6:12
